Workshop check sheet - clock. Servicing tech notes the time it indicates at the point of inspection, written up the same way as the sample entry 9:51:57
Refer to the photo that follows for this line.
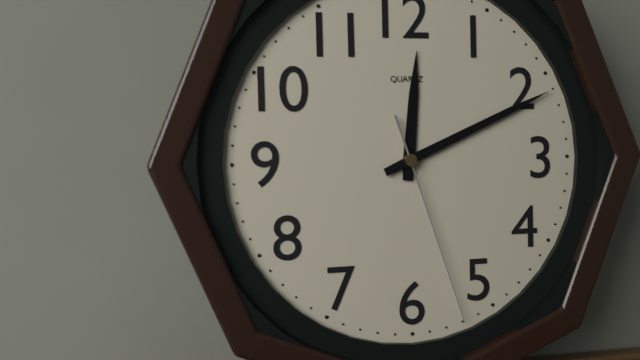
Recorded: 12:11:27
